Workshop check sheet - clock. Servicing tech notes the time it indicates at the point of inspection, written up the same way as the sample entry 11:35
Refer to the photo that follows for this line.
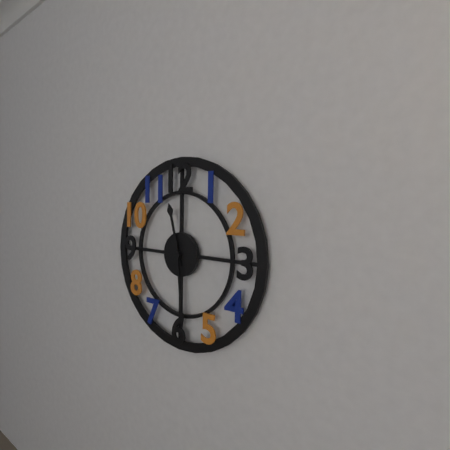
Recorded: 11:29
